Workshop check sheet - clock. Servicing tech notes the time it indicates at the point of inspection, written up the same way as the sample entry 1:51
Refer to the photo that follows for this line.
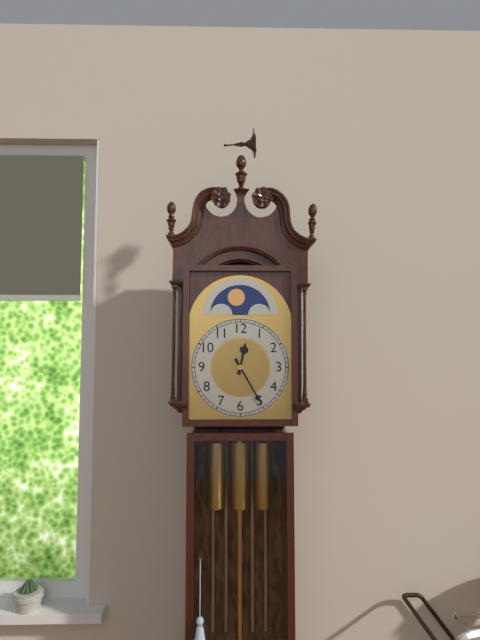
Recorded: 12:25
